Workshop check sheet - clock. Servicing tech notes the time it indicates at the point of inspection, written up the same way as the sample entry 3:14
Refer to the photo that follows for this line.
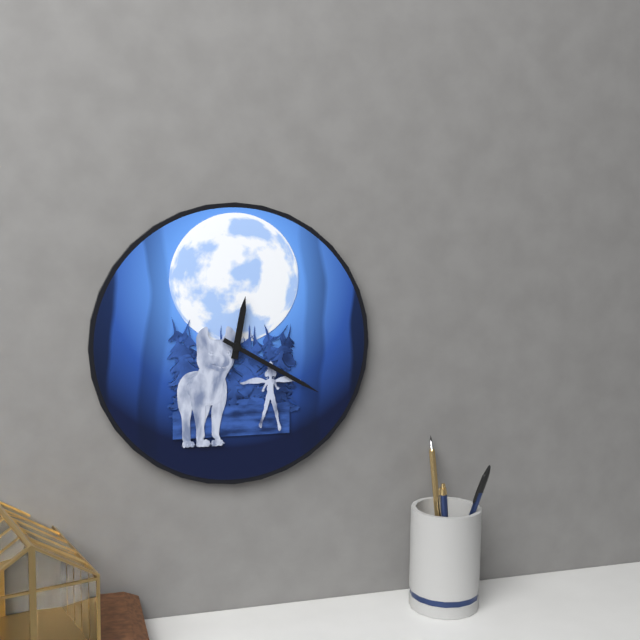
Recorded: 12:20
